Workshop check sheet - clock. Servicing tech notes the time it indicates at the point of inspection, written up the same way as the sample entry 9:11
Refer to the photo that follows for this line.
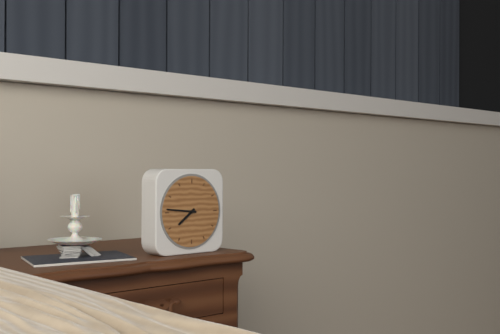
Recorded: 7:46
